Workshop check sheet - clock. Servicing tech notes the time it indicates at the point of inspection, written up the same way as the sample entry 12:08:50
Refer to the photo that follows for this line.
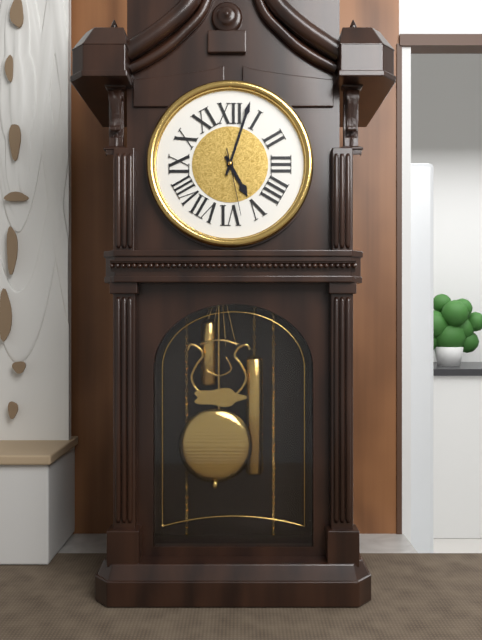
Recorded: 5:03:28
